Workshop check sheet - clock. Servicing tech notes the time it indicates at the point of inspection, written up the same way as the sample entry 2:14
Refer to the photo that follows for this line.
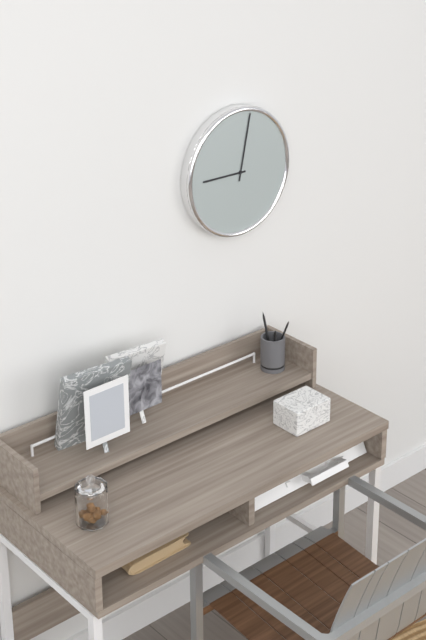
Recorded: 9:02
